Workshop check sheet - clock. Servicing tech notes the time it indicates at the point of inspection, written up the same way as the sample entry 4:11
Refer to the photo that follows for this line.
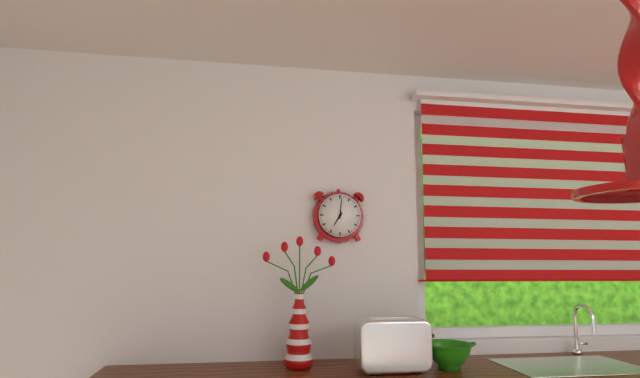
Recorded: 7:01
